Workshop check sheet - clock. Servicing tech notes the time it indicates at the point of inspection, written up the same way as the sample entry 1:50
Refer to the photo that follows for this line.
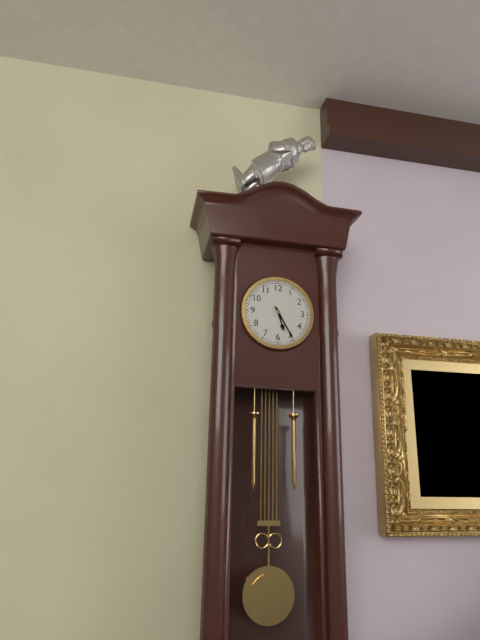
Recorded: 5:25
